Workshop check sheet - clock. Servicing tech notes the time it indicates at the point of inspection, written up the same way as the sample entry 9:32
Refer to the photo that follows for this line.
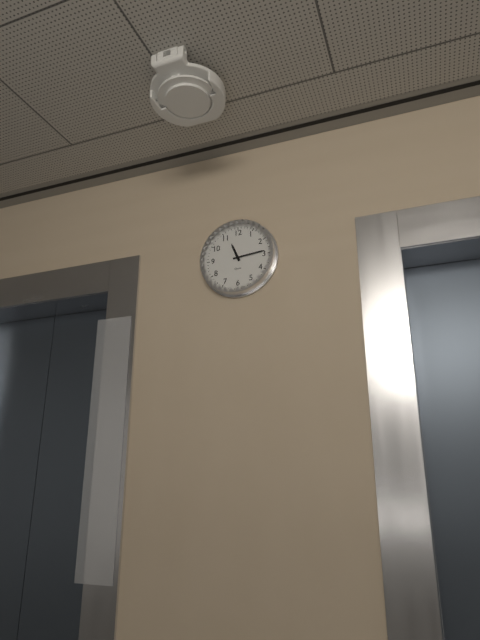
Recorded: 11:14
